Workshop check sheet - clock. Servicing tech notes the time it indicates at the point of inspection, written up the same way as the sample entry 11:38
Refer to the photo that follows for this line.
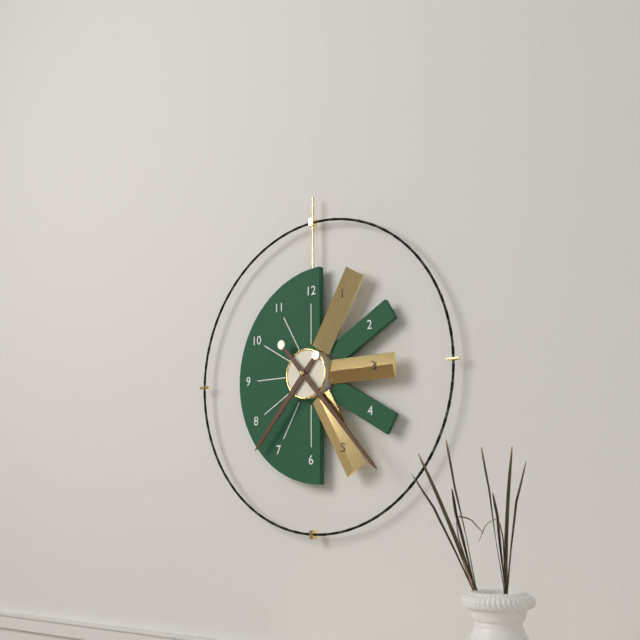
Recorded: 7:23
